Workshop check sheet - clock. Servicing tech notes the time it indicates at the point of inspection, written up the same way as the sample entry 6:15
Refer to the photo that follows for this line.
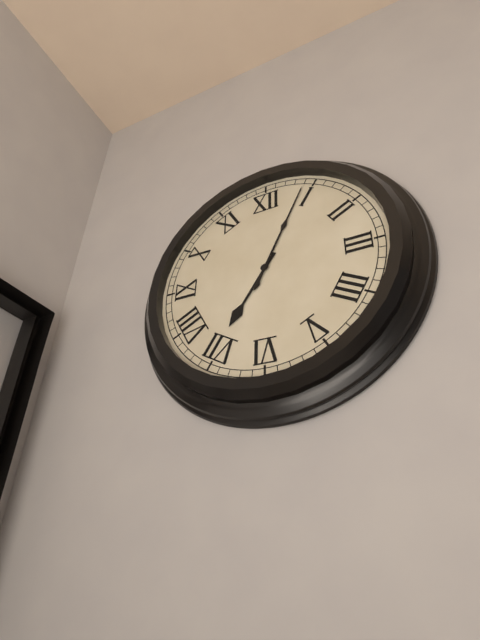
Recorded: 7:04
